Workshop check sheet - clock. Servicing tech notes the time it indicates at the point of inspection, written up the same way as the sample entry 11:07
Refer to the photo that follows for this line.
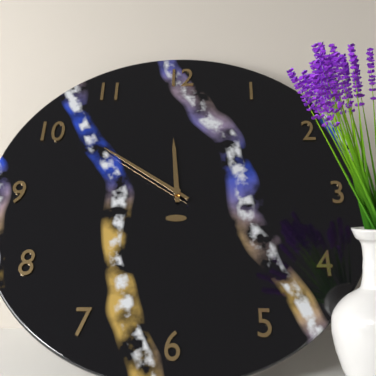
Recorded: 11:51
